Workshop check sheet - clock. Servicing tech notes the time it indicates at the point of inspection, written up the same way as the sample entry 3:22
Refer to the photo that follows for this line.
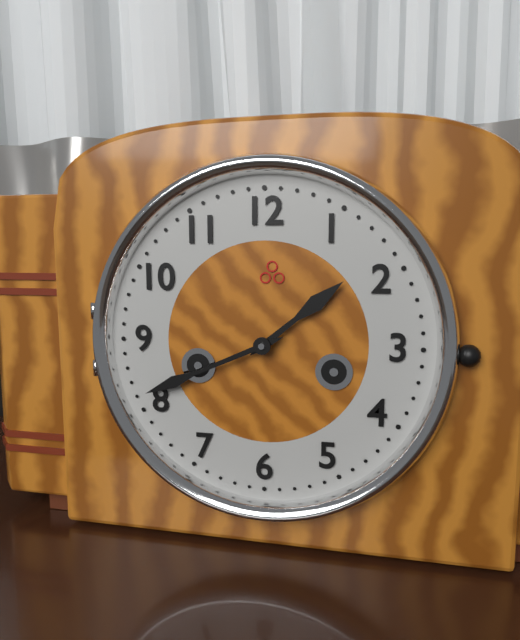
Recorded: 1:41
